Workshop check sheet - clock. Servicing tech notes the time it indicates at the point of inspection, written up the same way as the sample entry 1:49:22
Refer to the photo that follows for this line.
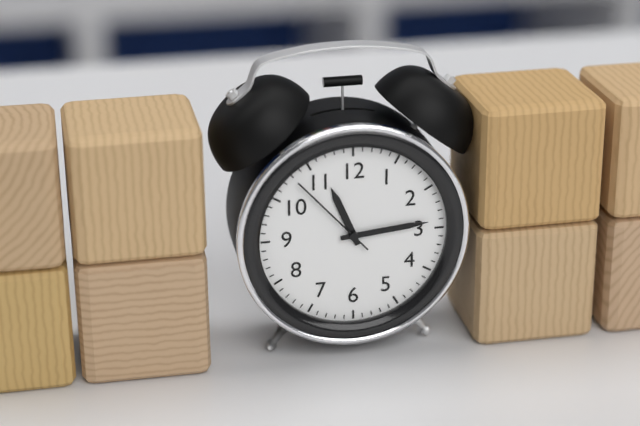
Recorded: 11:14:53
